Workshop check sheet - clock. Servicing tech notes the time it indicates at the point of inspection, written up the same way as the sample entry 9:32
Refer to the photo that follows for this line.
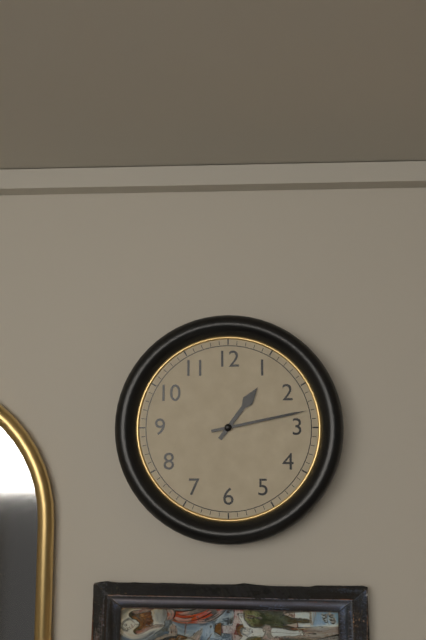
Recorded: 1:13
